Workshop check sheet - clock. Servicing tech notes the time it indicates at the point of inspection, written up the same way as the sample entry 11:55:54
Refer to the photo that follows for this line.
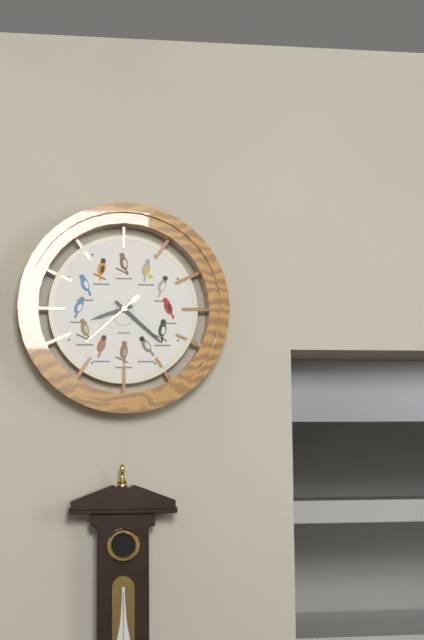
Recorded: 8:22:38
